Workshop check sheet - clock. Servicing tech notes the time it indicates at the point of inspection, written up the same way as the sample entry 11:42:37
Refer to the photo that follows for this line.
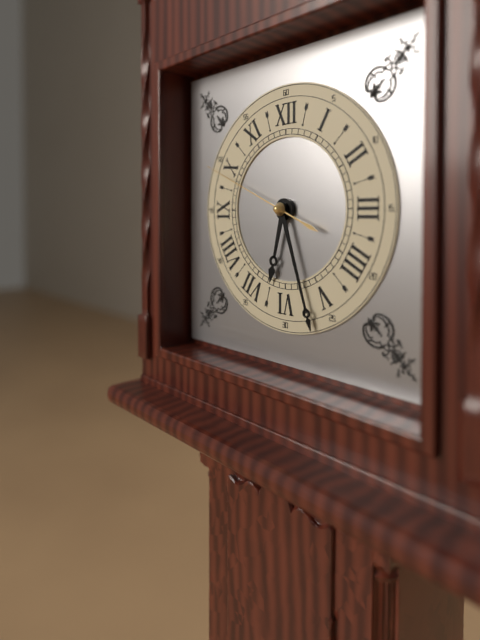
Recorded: 6:27:49
